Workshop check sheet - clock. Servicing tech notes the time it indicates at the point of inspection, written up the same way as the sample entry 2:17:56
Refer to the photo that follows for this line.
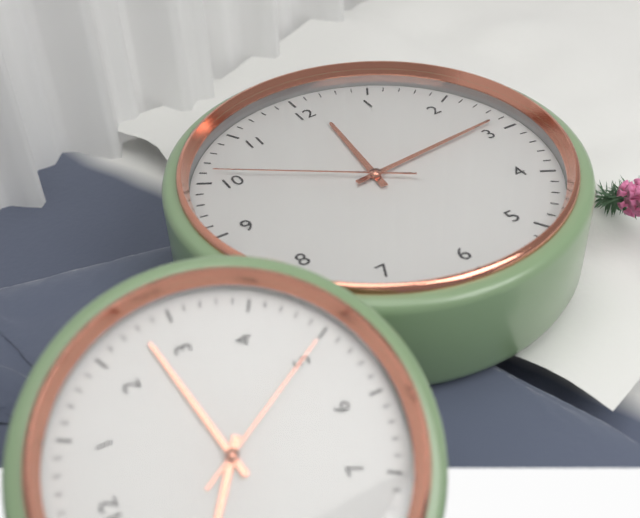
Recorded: 12:14:51
